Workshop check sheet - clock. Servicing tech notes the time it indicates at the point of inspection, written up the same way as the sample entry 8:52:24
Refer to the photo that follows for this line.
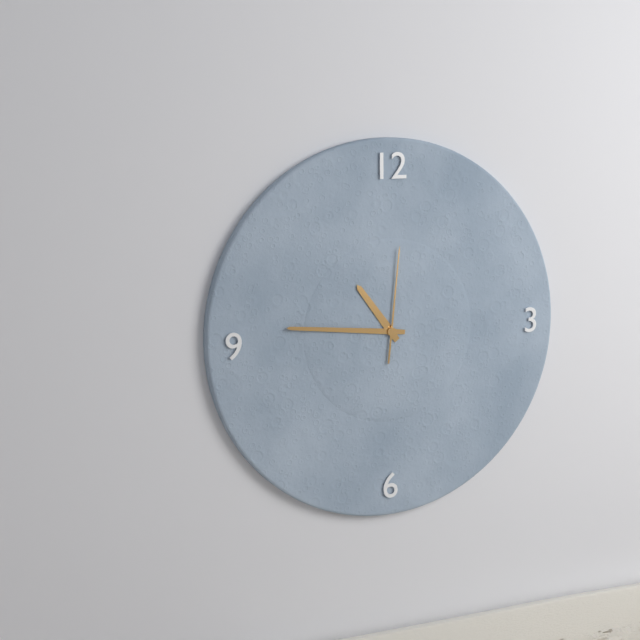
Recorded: 10:46:01
